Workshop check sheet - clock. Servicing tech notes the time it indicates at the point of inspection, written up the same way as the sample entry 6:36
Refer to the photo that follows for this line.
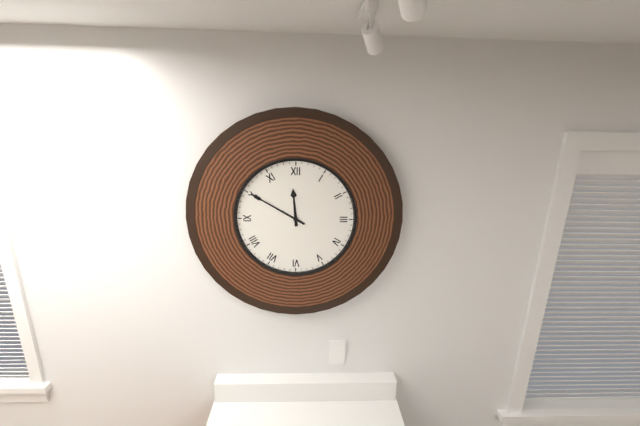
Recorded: 11:50
